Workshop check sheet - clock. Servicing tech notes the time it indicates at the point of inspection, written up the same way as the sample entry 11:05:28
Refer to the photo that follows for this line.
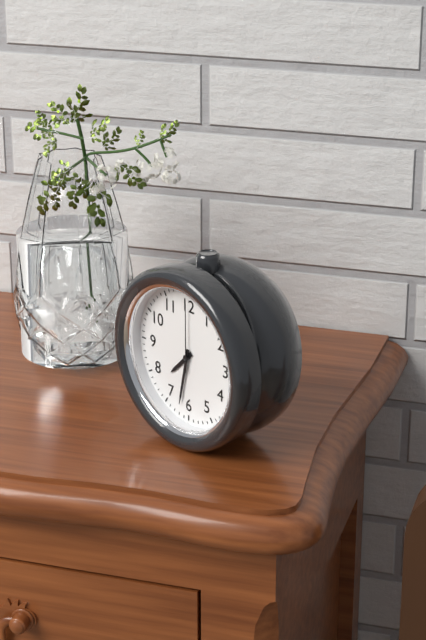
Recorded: 7:32:00
